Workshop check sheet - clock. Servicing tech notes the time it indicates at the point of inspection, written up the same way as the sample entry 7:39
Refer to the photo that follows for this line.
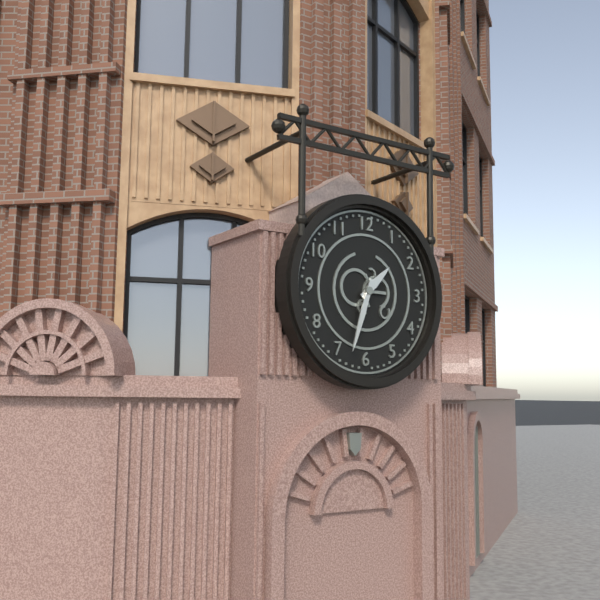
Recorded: 1:33
